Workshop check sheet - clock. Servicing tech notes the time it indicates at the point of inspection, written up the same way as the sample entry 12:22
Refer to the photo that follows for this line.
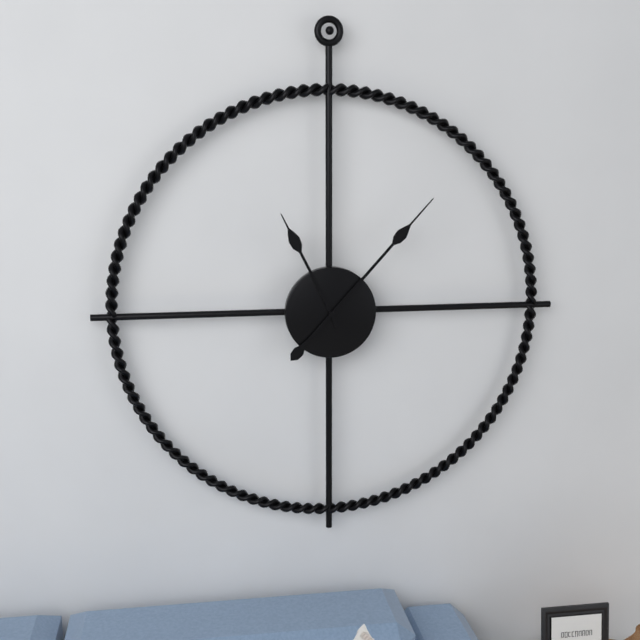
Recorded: 11:07
